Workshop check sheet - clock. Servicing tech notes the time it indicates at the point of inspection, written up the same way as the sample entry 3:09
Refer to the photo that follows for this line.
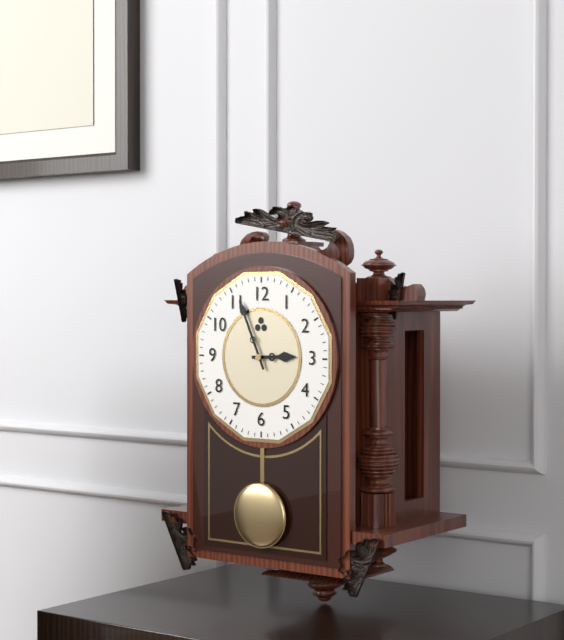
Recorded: 2:56
